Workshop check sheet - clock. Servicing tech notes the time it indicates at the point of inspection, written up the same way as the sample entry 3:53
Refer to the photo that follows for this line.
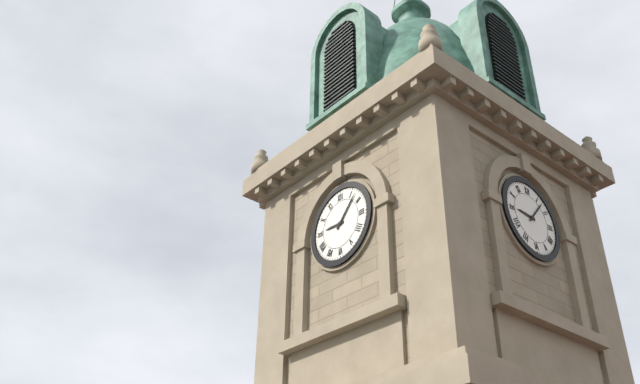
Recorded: 9:07
